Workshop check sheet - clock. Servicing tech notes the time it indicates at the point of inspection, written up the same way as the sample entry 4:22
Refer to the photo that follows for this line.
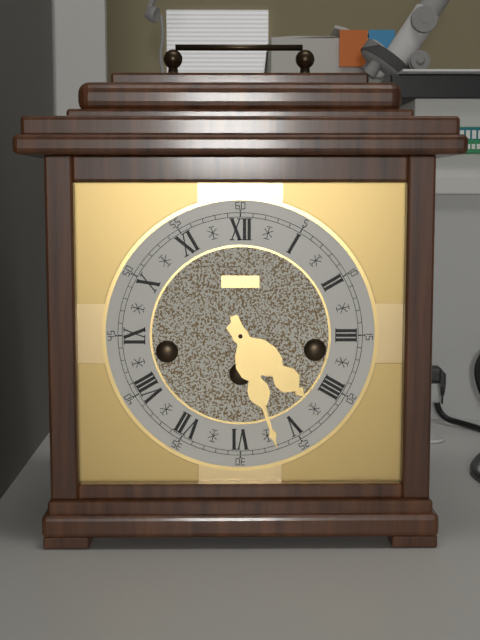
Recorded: 4:27
